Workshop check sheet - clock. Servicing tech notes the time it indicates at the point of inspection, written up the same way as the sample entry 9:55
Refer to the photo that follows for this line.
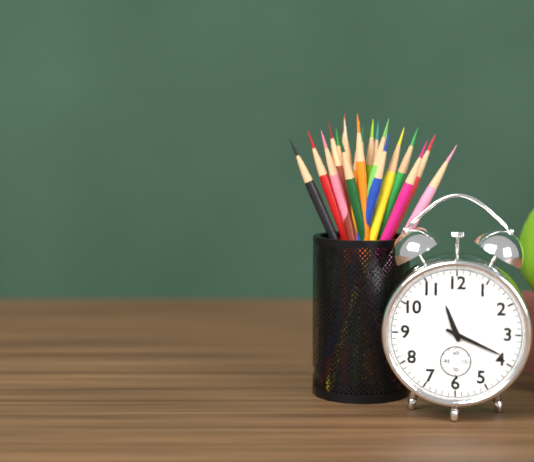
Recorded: 11:19
